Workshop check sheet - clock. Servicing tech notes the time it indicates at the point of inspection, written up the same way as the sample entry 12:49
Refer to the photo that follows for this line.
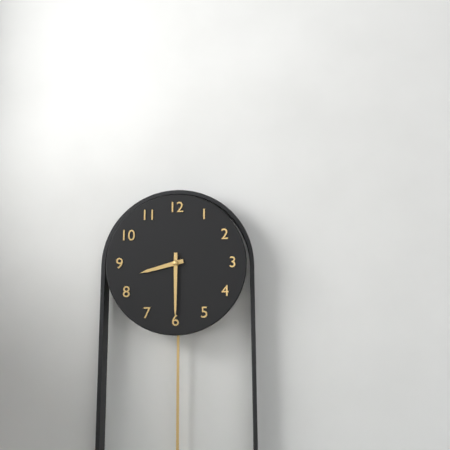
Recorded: 8:30
